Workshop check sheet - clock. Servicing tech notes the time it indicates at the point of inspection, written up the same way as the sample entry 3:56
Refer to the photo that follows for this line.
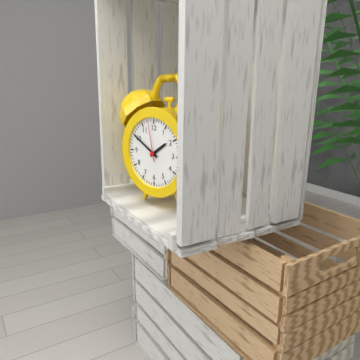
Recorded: 1:50
